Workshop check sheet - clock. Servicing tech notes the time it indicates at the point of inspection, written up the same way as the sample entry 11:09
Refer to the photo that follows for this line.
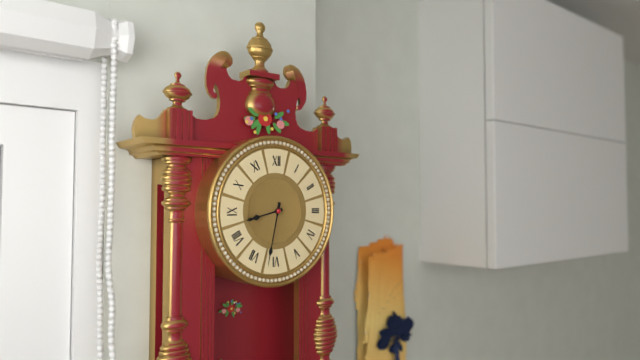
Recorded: 8:32
